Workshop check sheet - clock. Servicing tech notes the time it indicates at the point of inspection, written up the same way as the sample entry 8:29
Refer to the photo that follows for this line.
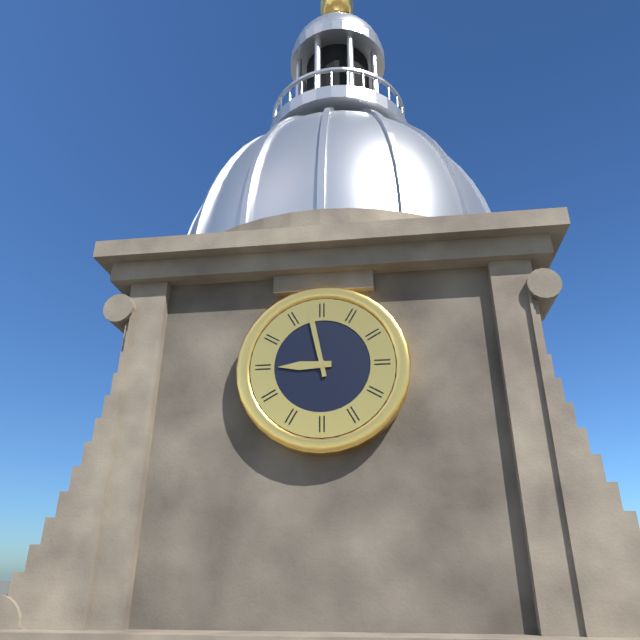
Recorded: 8:58
